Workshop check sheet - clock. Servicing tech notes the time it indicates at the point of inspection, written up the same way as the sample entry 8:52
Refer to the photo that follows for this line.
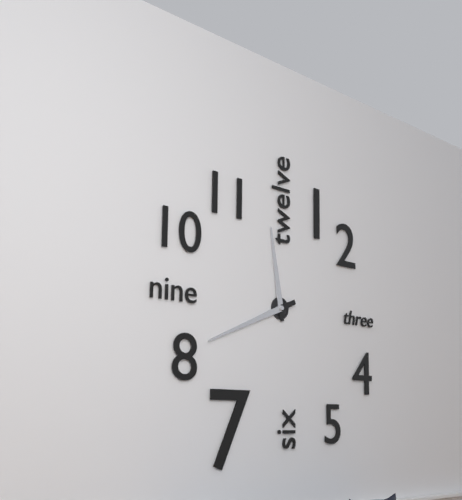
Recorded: 11:41
